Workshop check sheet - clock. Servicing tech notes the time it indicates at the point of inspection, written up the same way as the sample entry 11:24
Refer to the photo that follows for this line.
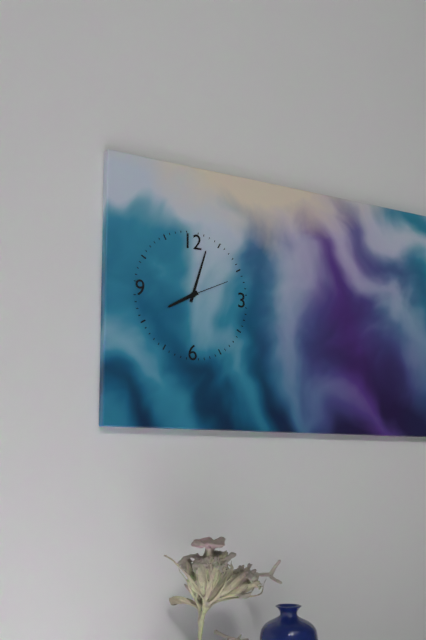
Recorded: 8:03
